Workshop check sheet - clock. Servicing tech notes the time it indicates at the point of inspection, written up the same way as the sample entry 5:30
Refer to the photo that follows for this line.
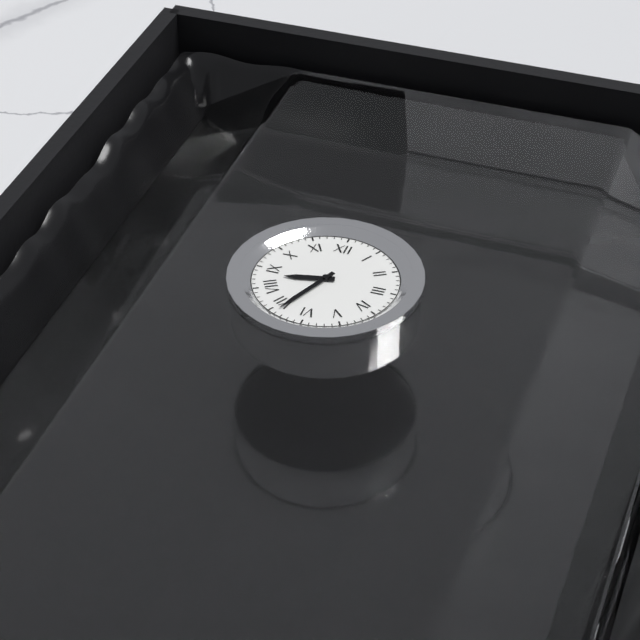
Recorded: 8:34
